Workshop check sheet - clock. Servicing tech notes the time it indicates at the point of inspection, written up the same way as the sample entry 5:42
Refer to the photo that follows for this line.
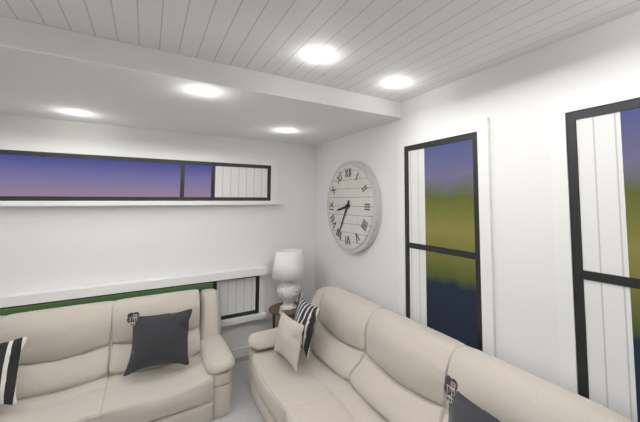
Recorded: 8:35
